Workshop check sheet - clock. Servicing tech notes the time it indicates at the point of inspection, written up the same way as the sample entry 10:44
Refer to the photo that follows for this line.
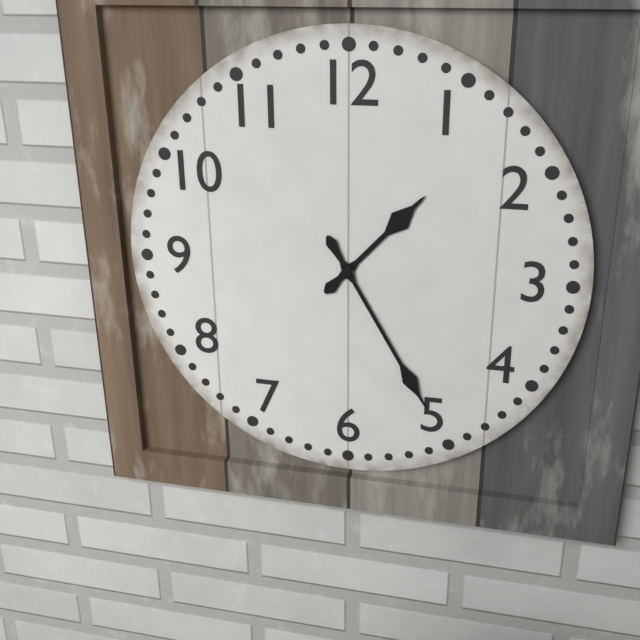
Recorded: 1:25
